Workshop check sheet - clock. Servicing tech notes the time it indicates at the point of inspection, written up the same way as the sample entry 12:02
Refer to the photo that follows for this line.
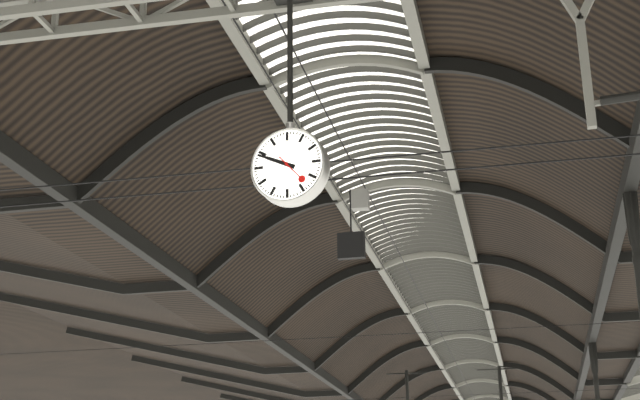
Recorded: 9:49
